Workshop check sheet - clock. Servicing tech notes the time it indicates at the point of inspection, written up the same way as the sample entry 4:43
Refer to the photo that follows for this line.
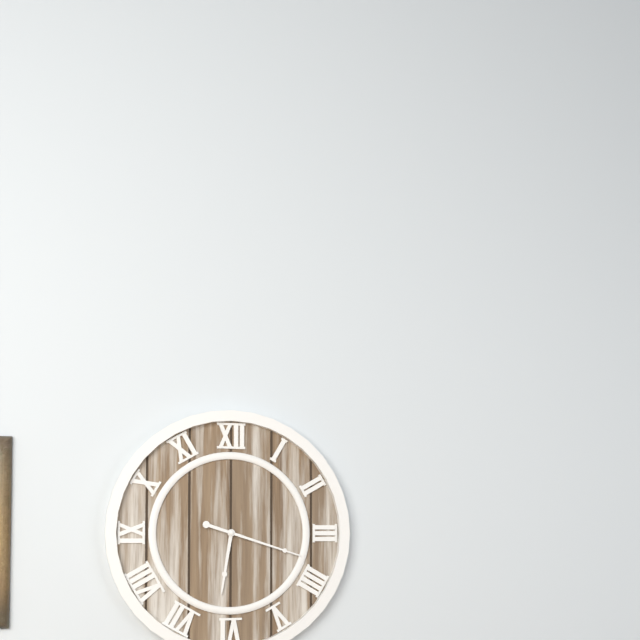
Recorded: 6:18
